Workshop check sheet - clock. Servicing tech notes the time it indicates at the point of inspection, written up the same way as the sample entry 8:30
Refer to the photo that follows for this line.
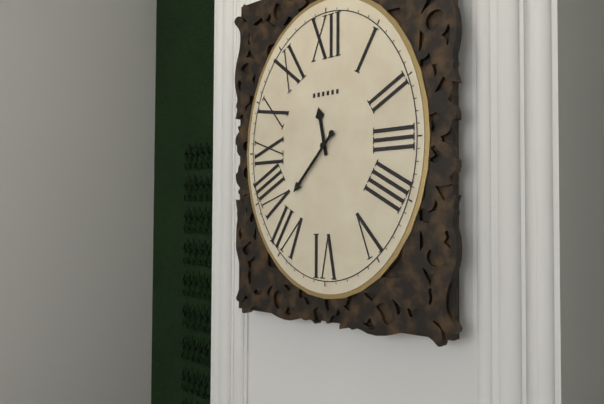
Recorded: 11:37
